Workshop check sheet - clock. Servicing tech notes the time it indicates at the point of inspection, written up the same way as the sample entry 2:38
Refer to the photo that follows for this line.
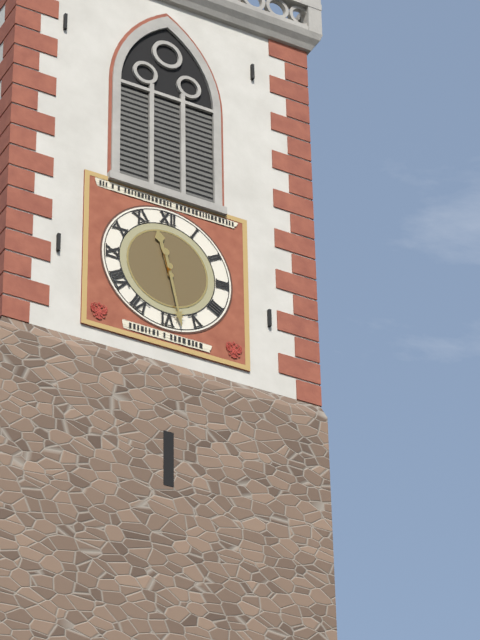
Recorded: 11:28
